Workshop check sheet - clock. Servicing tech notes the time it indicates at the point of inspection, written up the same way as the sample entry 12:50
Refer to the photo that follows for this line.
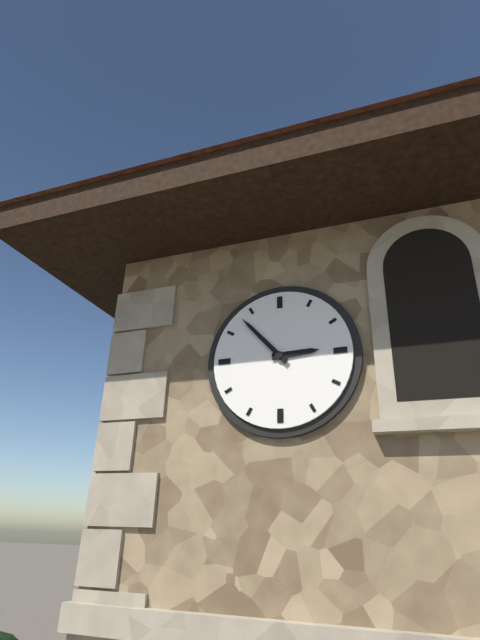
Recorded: 2:53
